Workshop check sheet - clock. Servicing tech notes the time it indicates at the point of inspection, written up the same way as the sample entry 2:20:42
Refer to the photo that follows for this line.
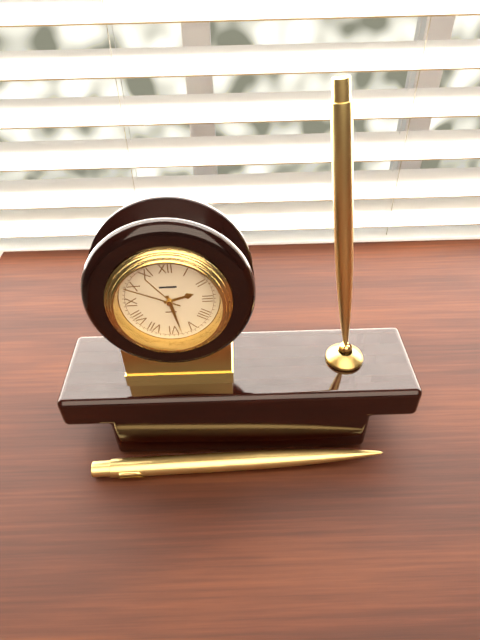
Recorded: 2:28:49
